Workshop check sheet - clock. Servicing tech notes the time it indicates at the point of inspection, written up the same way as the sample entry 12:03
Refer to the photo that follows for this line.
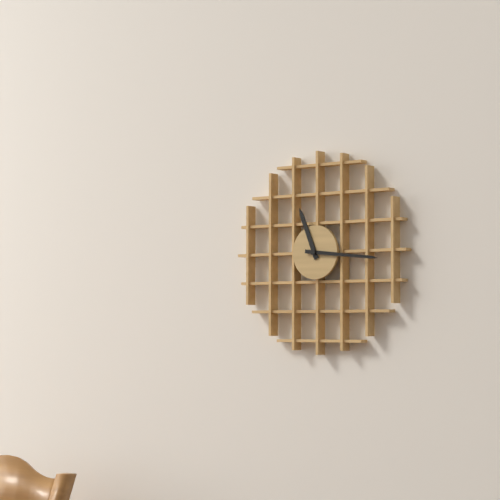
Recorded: 11:16
